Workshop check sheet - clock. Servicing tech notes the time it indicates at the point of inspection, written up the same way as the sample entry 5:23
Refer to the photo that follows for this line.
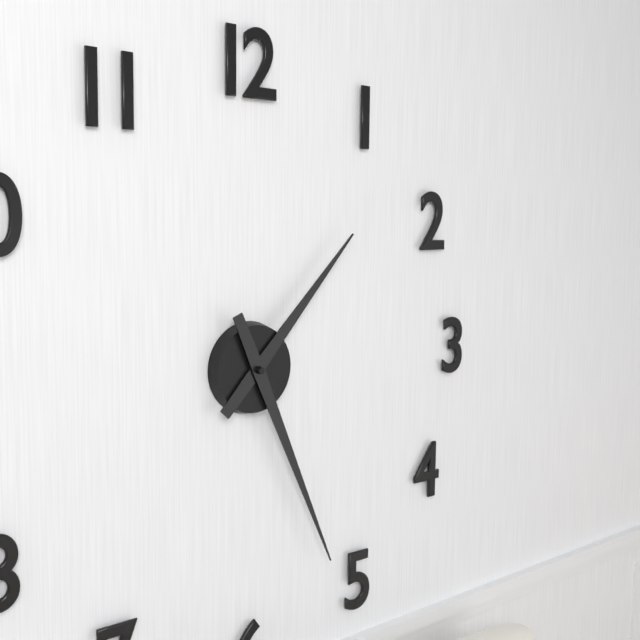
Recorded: 1:26
